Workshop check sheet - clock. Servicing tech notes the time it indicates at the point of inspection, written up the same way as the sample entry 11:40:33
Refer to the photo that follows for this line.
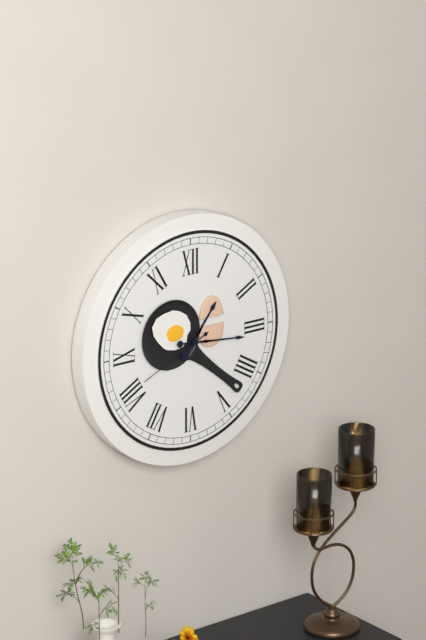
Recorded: 1:16:41
